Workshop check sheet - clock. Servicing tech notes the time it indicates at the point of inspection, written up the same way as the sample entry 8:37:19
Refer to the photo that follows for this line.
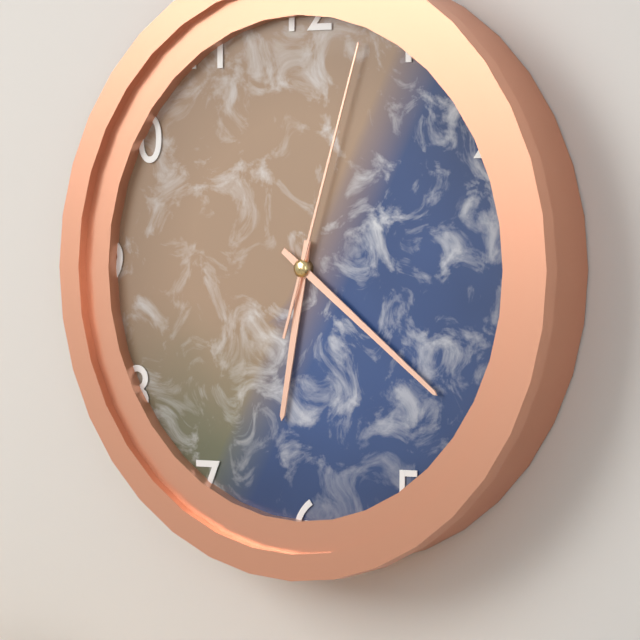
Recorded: 6:21:03
